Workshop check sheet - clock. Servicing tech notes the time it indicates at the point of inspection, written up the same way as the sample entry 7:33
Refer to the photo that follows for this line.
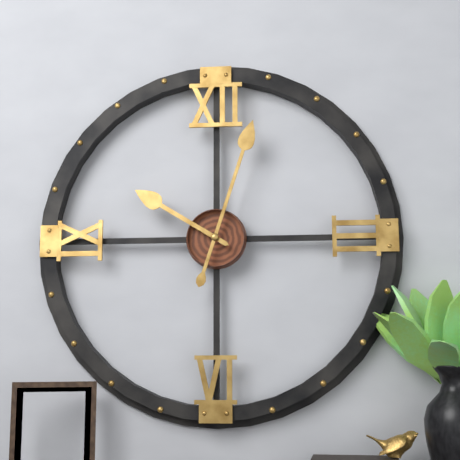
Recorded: 10:03
